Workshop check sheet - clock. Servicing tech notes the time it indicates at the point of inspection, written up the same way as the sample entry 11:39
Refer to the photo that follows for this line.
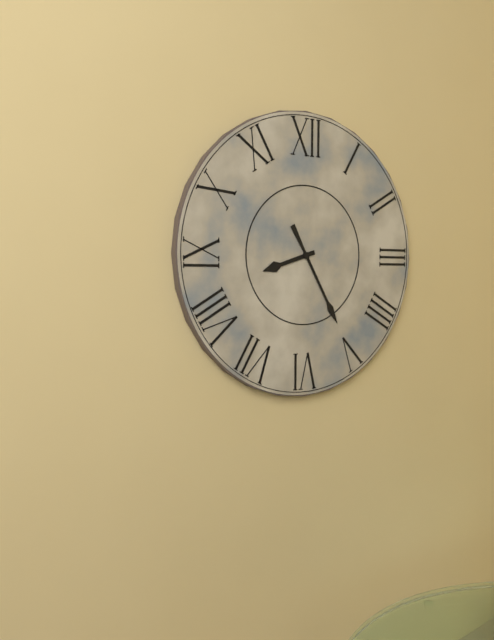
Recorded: 8:25
